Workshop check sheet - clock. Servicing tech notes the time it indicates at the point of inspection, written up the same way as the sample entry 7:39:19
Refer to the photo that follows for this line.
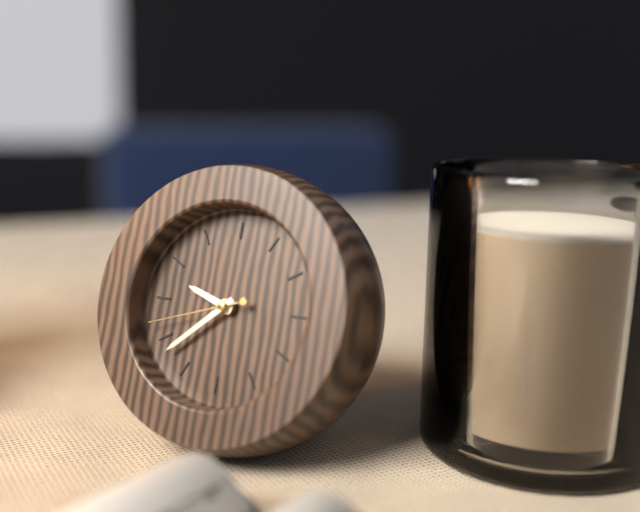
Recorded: 9:38:42
